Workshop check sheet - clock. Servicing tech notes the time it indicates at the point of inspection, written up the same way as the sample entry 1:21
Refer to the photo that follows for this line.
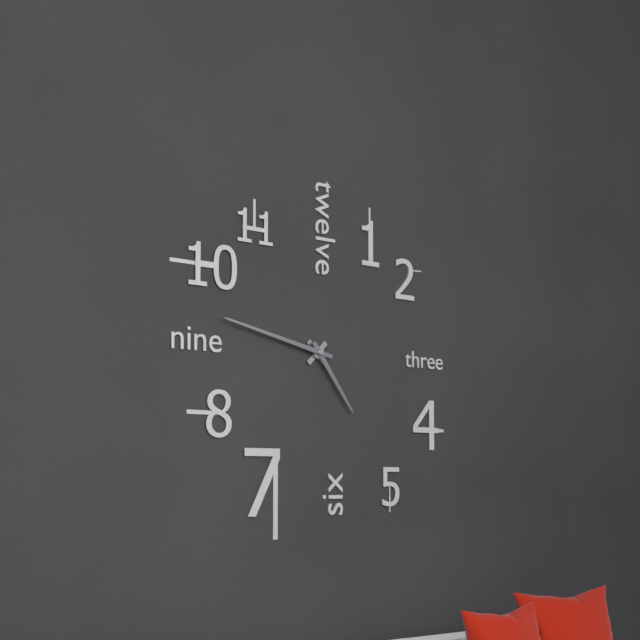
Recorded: 4:47
